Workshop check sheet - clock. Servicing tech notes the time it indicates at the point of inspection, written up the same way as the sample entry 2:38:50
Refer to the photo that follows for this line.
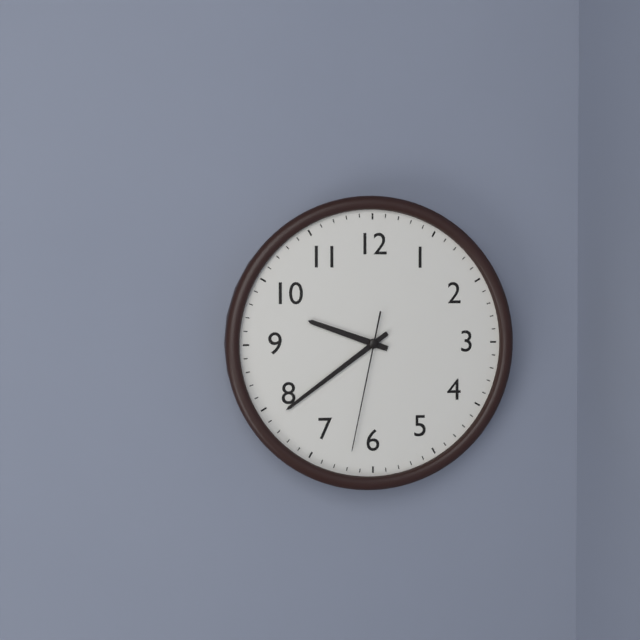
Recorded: 9:39:32
